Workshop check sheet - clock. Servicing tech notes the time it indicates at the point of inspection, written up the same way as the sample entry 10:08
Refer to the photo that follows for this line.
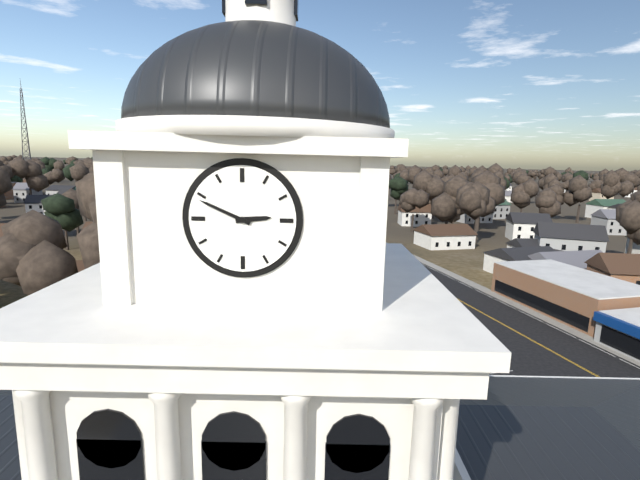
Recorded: 2:49
